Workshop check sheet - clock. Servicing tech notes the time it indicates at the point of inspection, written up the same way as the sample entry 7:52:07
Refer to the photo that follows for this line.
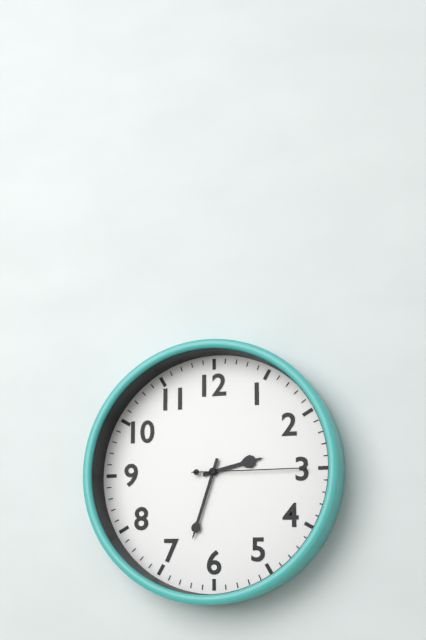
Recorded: 2:33:15
